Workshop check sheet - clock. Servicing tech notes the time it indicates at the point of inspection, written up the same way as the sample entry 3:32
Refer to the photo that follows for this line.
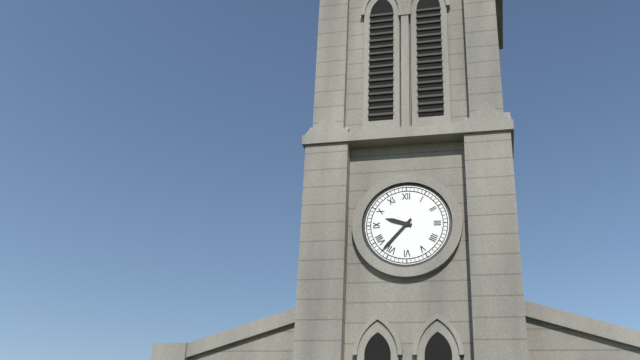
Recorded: 9:37
